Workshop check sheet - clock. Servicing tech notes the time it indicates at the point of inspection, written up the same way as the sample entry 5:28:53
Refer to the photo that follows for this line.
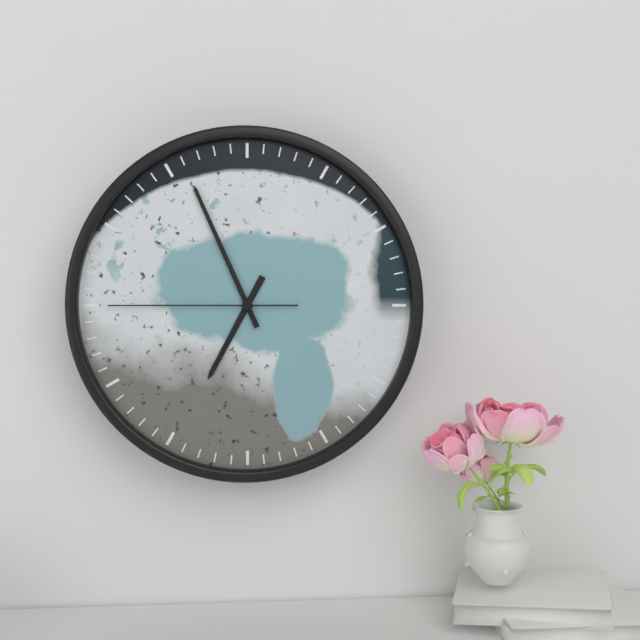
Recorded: 6:56:45
